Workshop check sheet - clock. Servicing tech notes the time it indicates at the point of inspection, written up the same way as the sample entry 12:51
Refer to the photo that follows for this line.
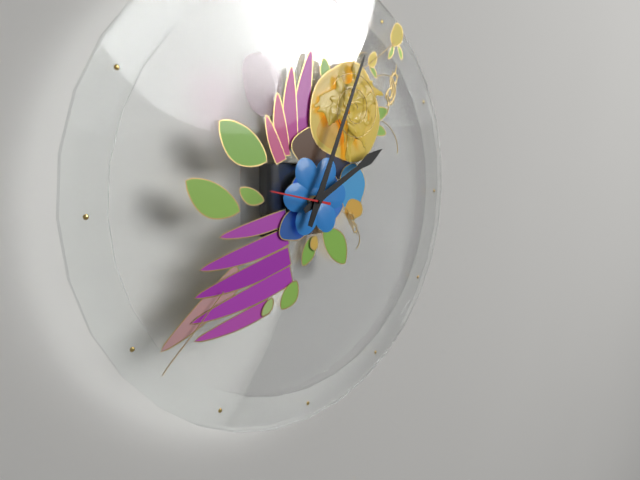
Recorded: 2:04
